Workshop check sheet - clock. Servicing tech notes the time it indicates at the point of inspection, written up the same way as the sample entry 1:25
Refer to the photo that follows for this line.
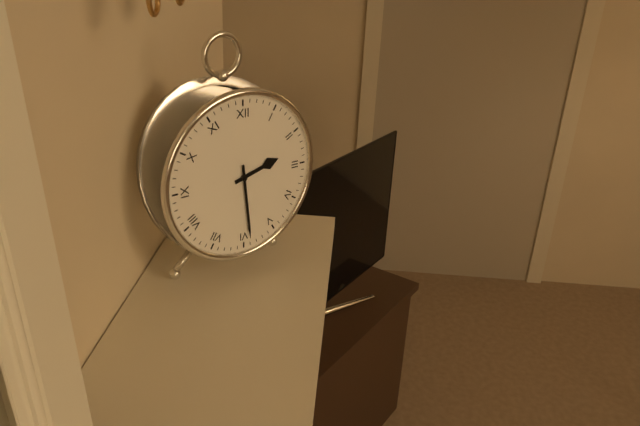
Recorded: 2:29
